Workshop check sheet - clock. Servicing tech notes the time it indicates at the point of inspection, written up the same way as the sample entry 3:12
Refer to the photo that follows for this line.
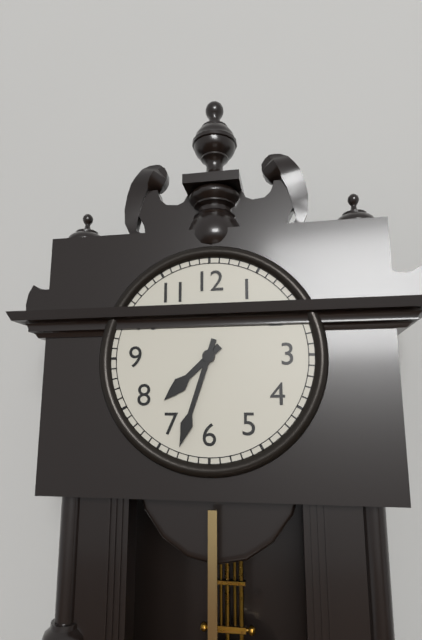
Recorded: 7:33
